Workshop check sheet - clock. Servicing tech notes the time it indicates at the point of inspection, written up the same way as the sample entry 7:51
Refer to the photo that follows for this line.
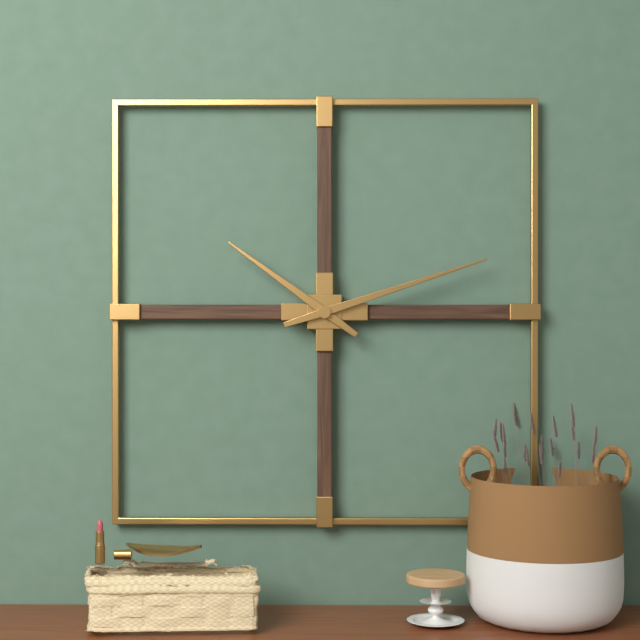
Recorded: 10:12
